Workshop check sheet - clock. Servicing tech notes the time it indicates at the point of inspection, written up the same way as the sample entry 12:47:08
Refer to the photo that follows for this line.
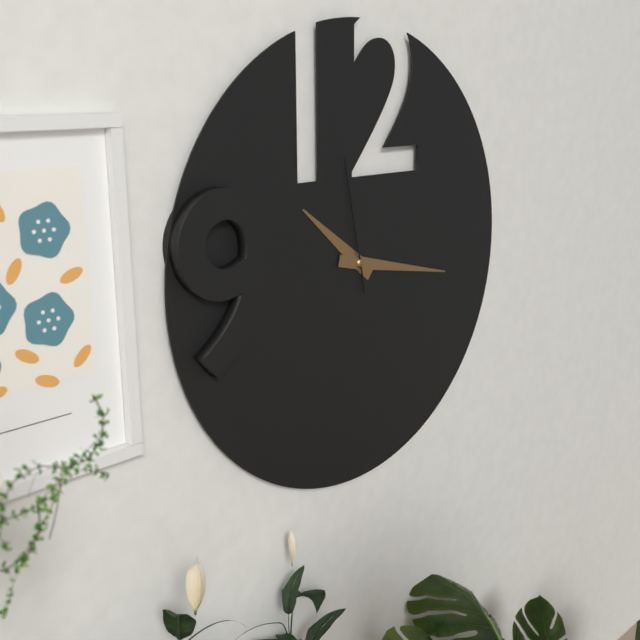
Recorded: 10:17:58
